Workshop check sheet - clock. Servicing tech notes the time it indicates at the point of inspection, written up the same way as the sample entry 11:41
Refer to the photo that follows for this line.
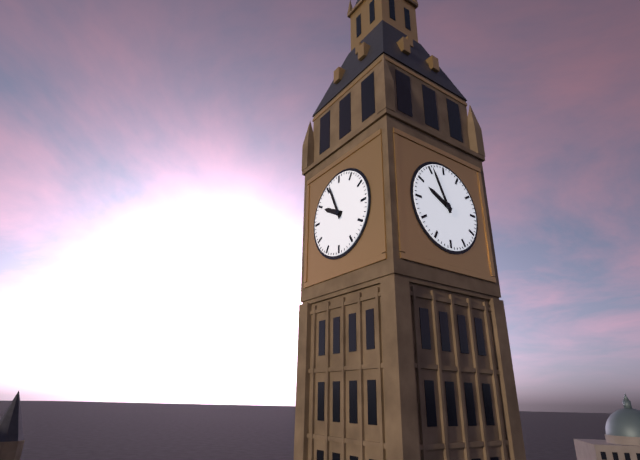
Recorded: 9:56
